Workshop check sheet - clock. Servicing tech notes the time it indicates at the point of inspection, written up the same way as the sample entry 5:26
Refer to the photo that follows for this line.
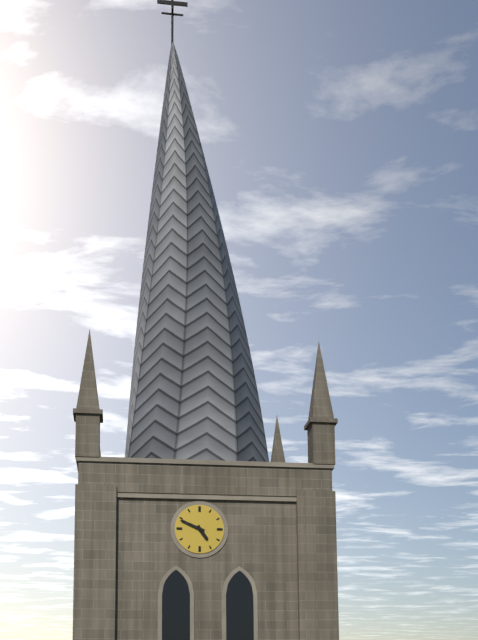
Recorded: 4:49
